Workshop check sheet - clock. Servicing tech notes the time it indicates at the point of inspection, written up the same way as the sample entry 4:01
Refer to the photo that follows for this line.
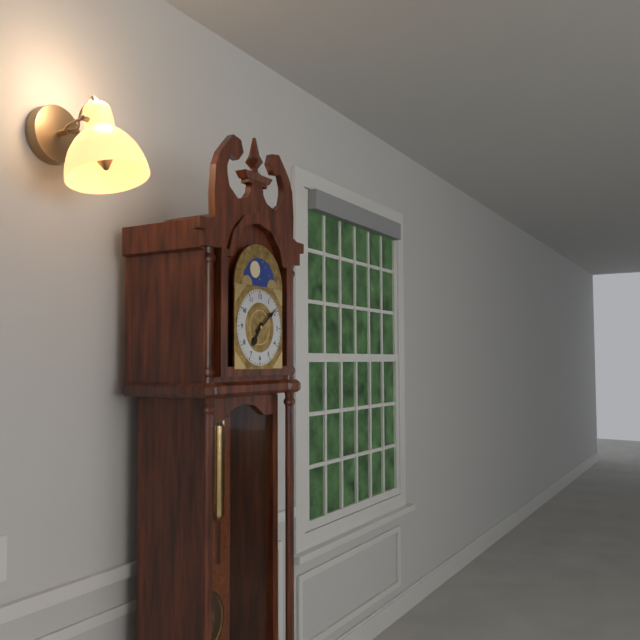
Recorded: 7:09
